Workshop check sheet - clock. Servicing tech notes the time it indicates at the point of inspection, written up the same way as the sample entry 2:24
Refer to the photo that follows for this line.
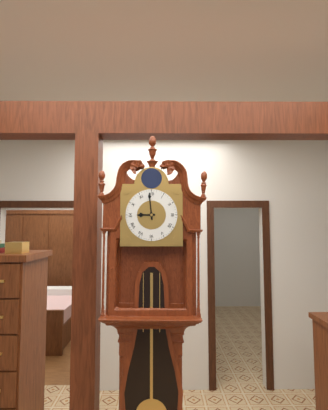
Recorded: 8:59
